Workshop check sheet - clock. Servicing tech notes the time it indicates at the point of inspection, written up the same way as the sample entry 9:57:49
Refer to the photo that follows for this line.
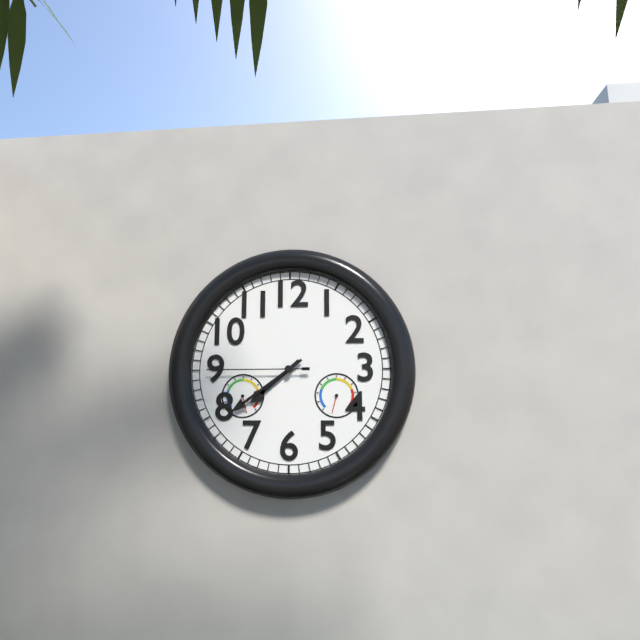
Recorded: 7:39:45
